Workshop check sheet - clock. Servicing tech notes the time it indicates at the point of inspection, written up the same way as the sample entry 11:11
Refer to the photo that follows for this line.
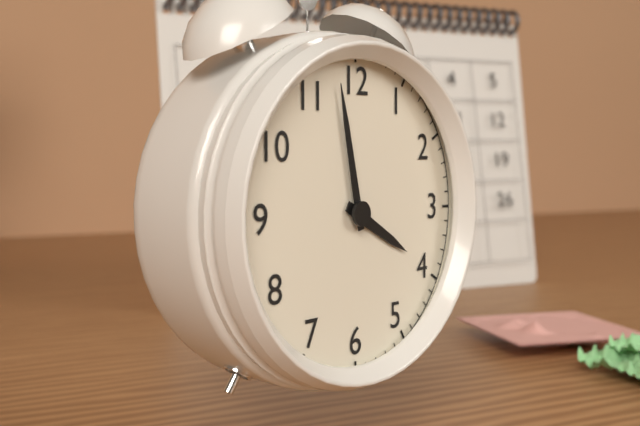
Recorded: 3:58
